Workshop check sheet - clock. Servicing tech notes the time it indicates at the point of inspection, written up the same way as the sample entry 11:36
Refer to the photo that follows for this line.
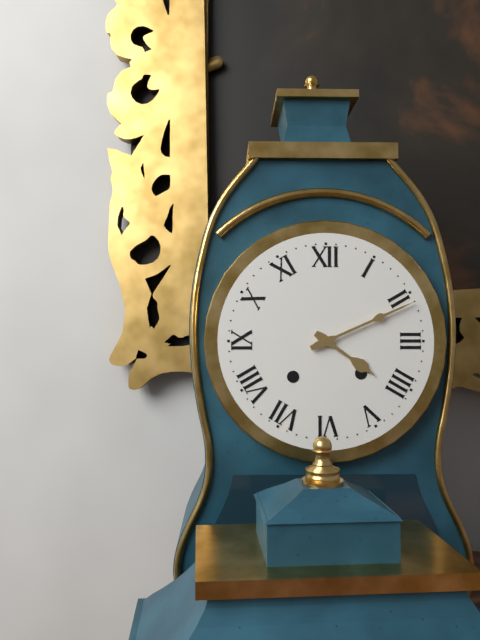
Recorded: 4:11
